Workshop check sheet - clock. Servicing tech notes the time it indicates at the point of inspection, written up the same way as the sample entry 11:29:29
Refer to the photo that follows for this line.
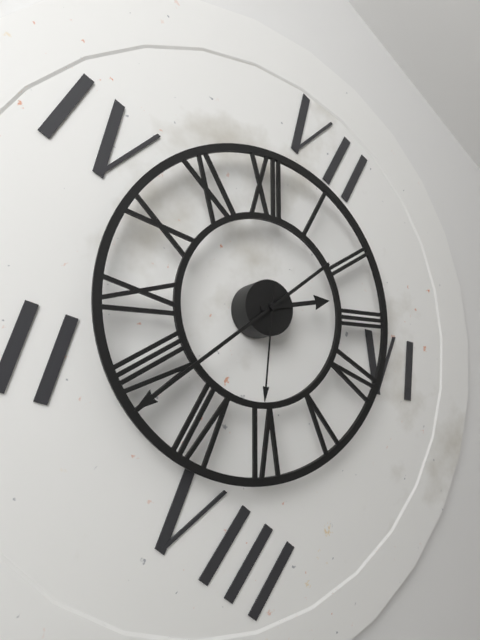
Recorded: 2:39:31
